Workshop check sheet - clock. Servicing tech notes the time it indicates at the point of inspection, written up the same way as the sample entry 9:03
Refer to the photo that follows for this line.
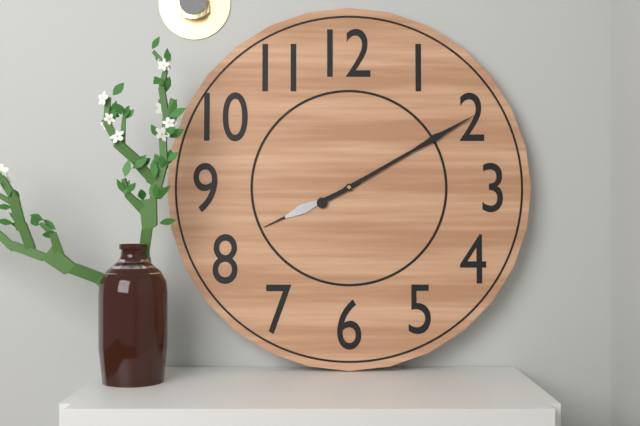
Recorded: 8:10
